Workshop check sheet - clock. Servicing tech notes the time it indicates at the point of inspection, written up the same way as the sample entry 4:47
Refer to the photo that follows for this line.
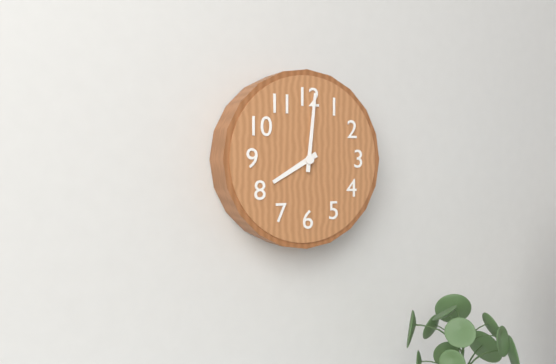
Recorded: 8:01
